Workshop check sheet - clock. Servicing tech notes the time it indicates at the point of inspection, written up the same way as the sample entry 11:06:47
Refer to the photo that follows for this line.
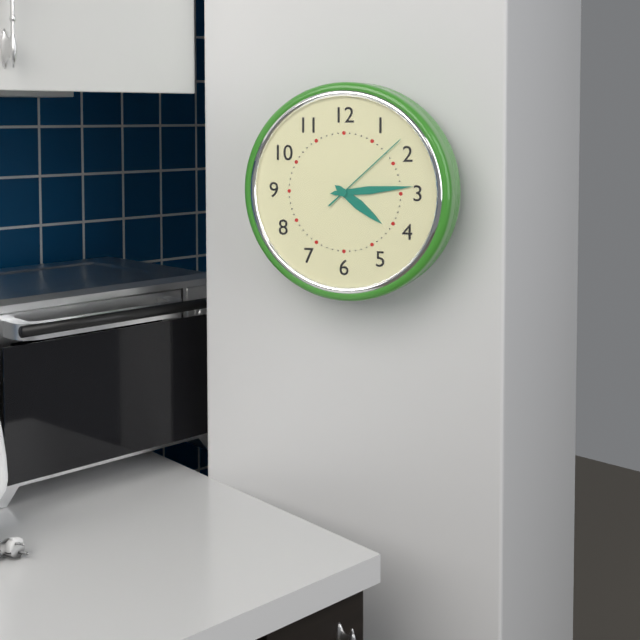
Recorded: 4:14:08
